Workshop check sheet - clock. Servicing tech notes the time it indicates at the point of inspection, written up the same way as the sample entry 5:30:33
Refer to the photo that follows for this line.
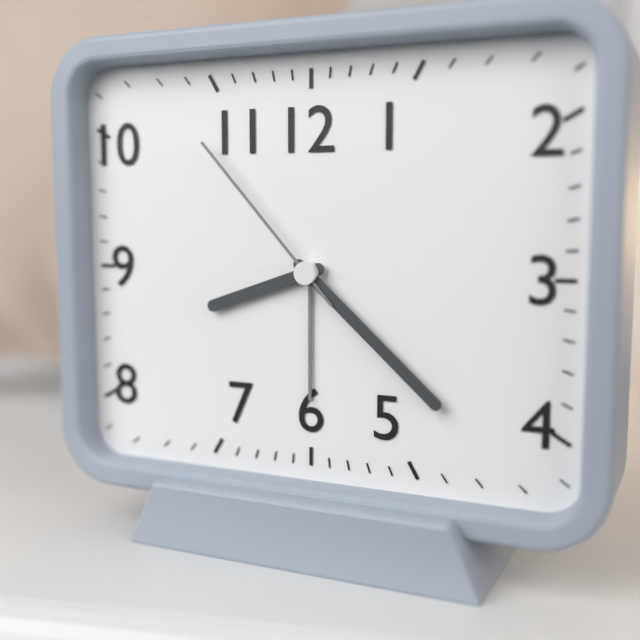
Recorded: 8:22:53
